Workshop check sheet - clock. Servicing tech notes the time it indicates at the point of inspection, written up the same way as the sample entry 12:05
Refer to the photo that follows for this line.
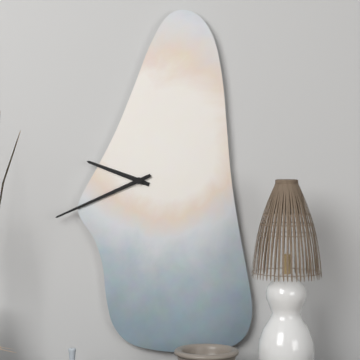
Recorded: 9:41
